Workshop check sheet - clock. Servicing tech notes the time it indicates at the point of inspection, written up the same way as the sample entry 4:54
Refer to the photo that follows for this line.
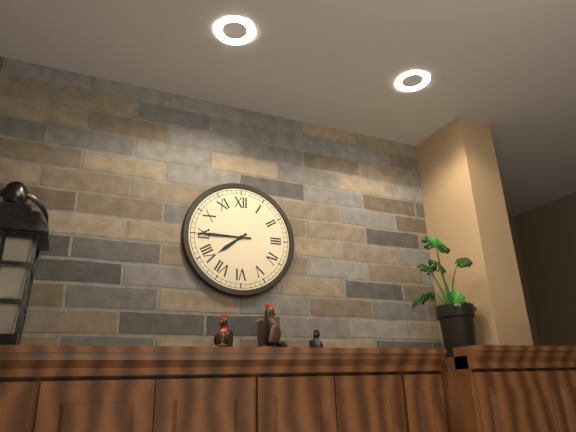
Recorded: 7:45
